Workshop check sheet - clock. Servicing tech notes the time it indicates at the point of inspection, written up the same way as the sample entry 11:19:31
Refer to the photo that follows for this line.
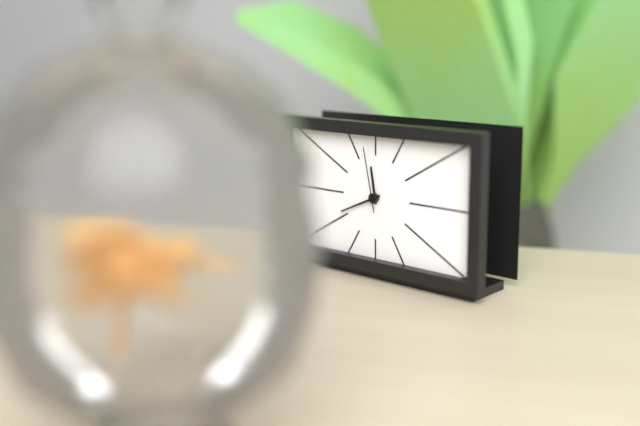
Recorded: 11:41:58
